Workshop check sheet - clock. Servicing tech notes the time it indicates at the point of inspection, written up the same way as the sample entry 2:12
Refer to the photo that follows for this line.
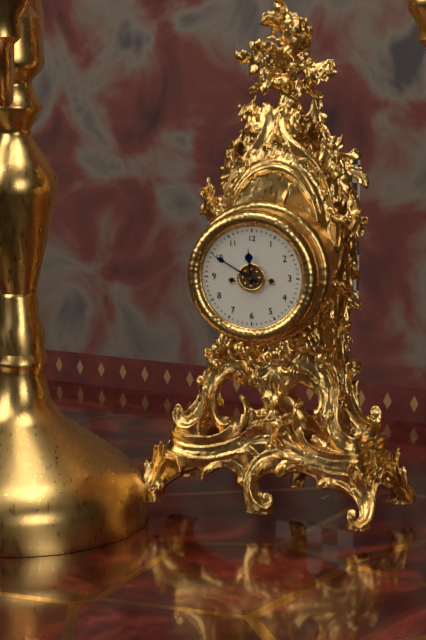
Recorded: 11:50
